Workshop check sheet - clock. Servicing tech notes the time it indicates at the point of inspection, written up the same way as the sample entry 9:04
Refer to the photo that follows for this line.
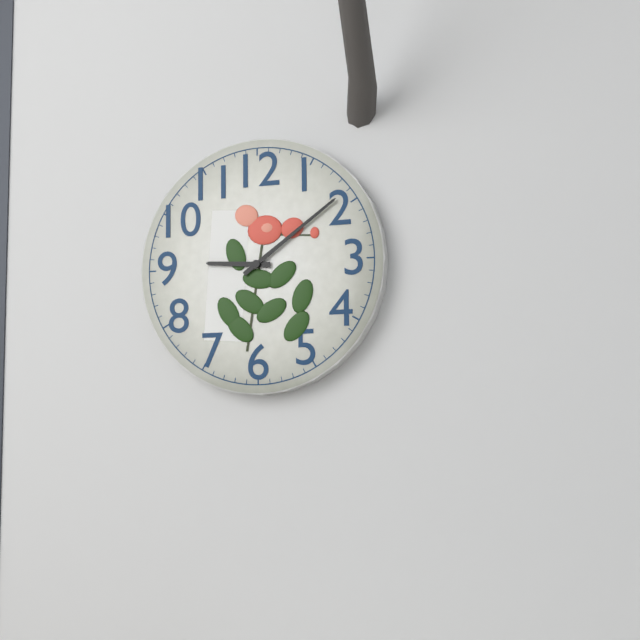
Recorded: 9:09
